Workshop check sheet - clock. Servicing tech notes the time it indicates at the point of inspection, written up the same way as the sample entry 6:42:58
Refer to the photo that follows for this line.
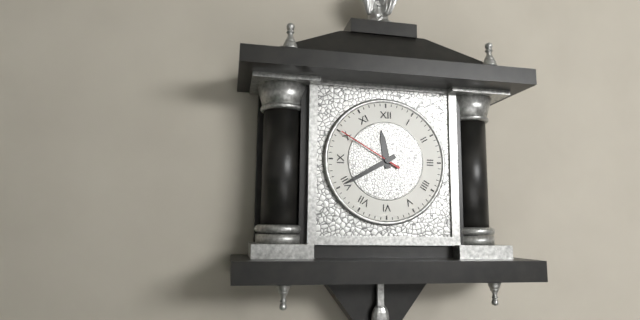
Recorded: 11:40:50
